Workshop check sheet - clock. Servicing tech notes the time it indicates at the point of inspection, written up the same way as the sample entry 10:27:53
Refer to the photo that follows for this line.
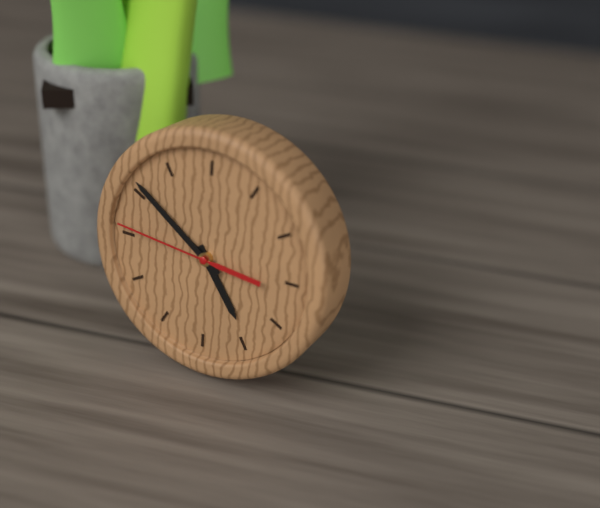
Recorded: 4:51:46
